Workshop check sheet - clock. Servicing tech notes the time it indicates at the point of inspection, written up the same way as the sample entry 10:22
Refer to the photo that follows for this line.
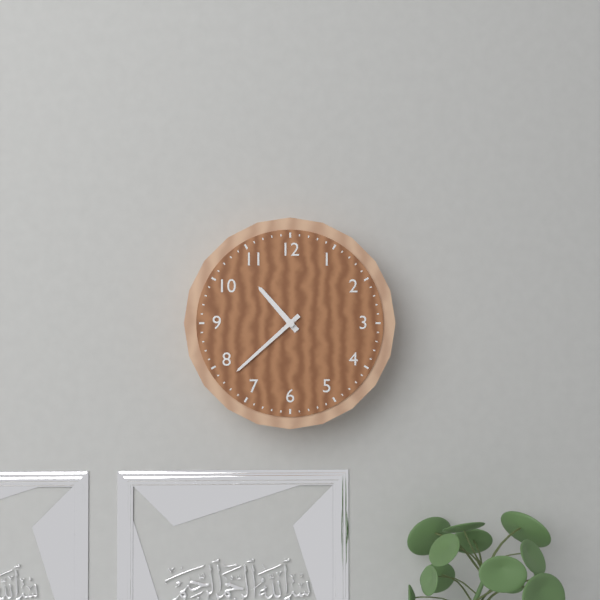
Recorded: 10:38
